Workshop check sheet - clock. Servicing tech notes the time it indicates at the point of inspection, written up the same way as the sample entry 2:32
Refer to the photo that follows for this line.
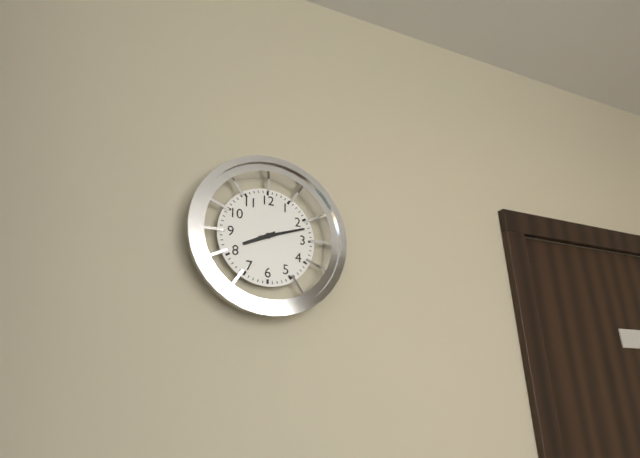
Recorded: 8:12
